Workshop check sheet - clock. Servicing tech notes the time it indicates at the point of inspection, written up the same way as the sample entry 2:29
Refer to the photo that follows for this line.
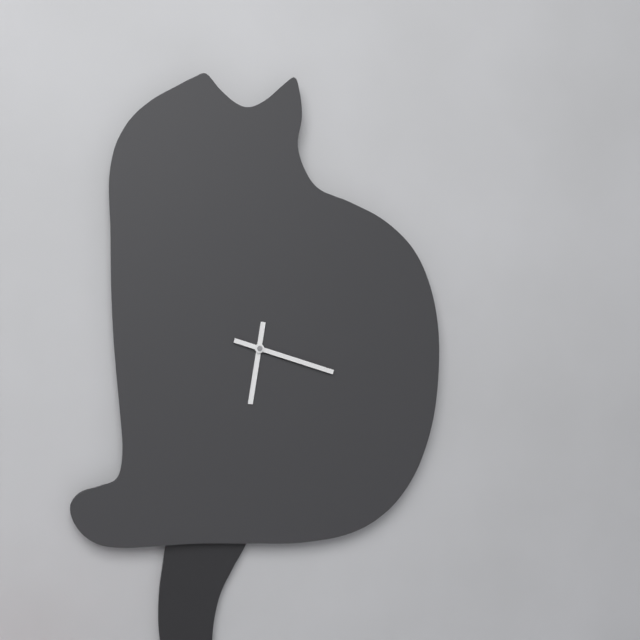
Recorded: 6:18
